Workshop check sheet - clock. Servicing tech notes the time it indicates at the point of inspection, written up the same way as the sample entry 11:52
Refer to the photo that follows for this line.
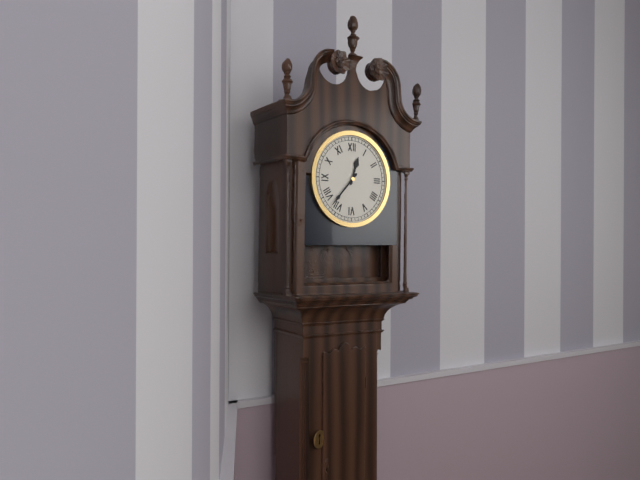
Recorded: 12:37
